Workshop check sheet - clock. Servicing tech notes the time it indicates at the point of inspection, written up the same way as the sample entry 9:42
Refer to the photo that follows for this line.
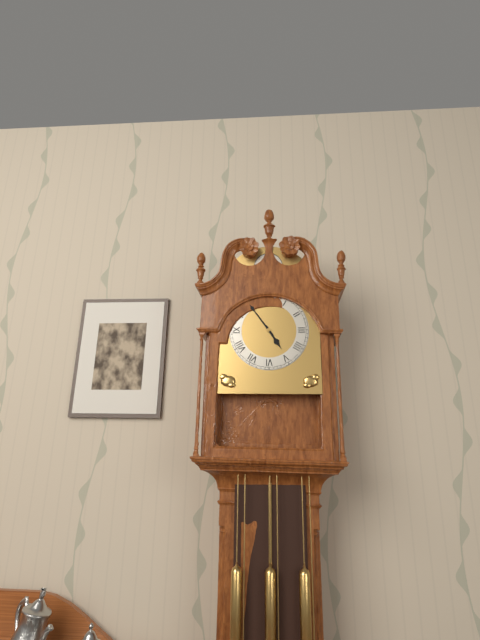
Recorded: 4:54
